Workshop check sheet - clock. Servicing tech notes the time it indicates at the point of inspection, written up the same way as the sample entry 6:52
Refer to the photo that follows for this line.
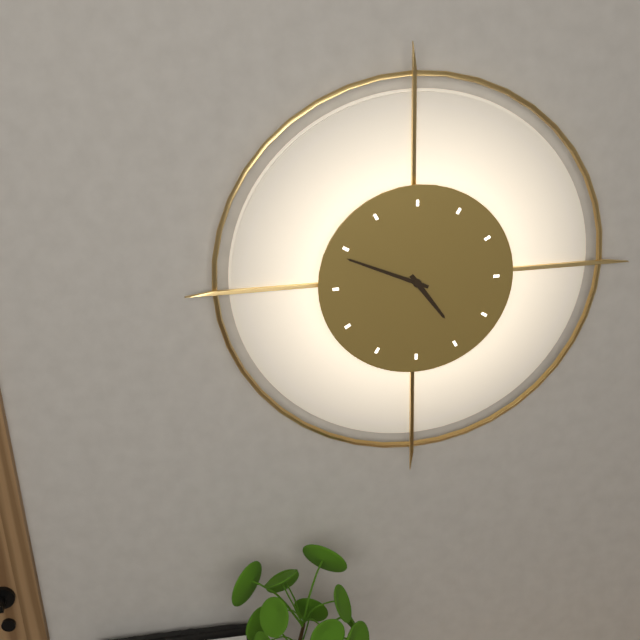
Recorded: 4:49
